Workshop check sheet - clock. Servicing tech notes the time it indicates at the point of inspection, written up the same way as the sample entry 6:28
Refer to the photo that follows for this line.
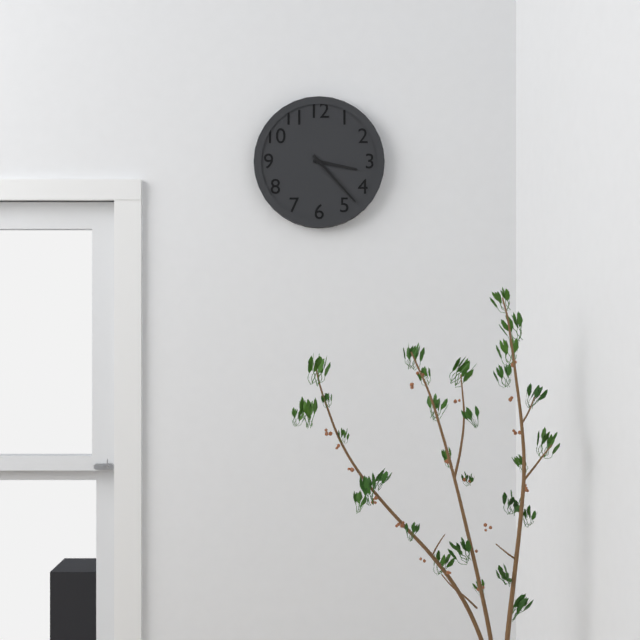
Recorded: 3:23
